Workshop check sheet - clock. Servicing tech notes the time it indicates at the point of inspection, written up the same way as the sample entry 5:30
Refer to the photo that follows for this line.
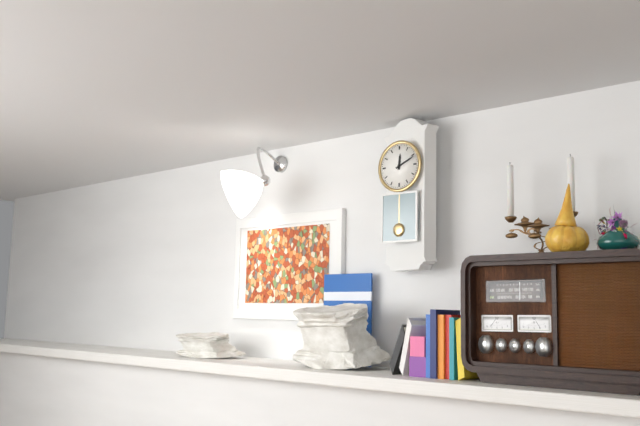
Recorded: 12:11
